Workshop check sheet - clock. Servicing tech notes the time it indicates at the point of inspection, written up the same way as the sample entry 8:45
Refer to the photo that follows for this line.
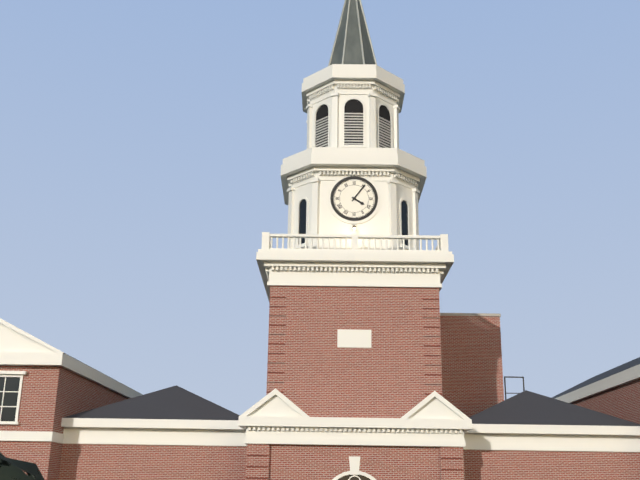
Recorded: 4:06
